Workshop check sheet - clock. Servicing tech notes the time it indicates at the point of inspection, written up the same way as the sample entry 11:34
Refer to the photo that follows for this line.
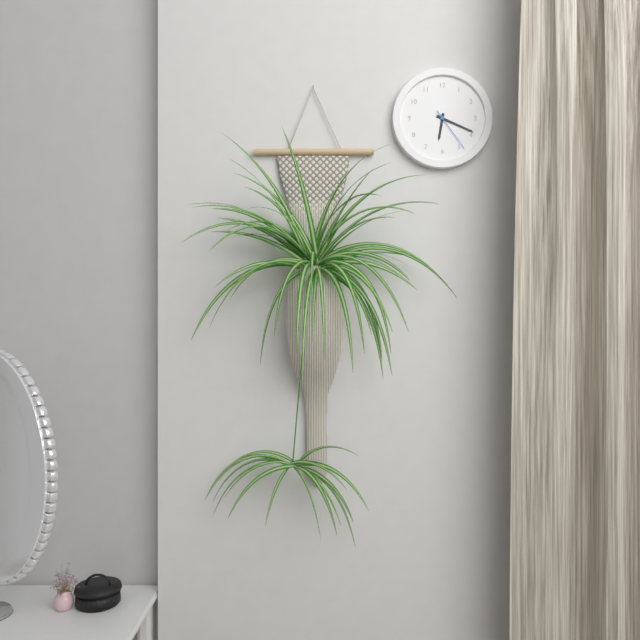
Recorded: 6:19
